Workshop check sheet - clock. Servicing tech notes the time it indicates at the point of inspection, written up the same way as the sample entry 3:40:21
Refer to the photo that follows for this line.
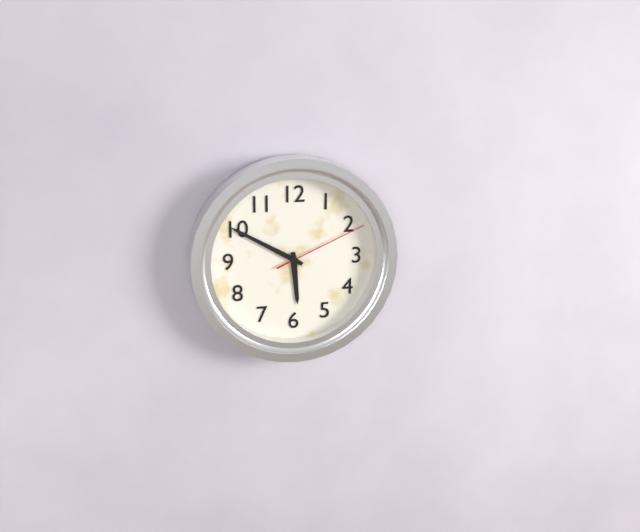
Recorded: 5:50:11
